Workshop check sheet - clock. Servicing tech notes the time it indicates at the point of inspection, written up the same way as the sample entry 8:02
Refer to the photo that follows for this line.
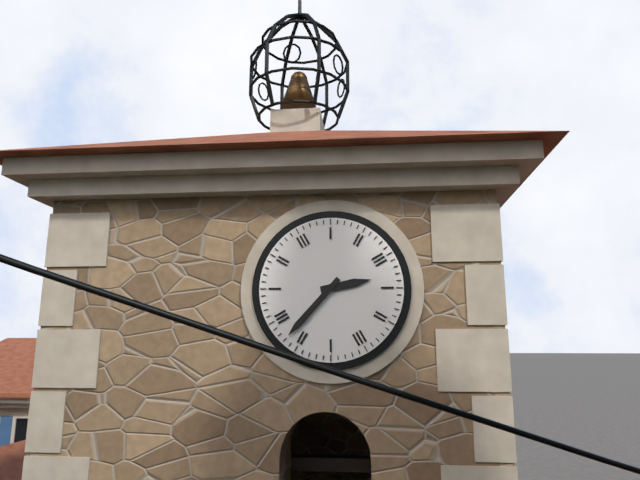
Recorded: 2:37
